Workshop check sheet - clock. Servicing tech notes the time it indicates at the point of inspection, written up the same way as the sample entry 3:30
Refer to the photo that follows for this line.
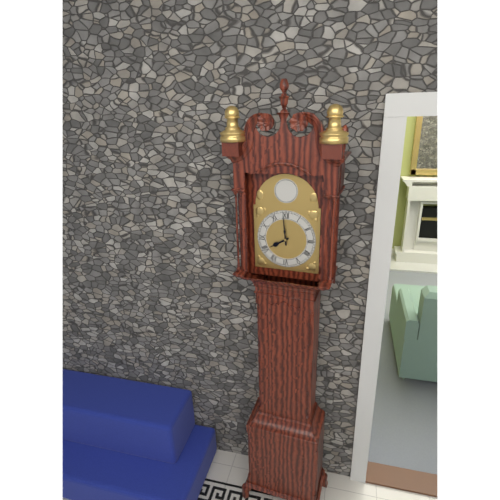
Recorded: 7:59
